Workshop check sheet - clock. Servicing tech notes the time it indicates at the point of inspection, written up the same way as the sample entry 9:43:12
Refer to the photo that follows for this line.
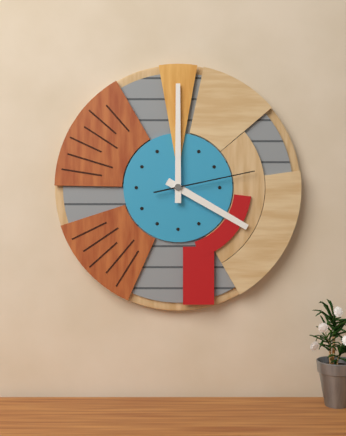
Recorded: 4:00:13
